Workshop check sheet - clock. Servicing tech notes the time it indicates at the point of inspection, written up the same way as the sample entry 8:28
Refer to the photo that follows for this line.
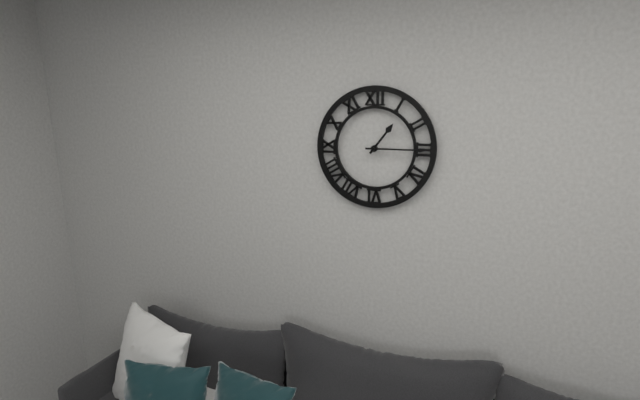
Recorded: 1:15
